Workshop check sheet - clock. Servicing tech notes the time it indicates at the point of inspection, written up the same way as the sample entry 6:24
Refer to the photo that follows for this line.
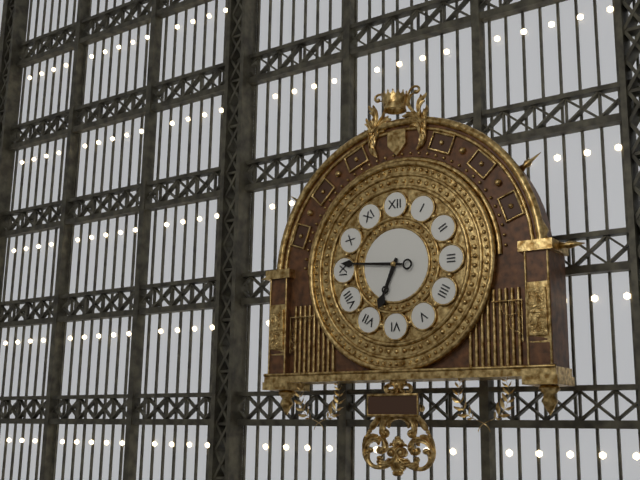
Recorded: 6:46
